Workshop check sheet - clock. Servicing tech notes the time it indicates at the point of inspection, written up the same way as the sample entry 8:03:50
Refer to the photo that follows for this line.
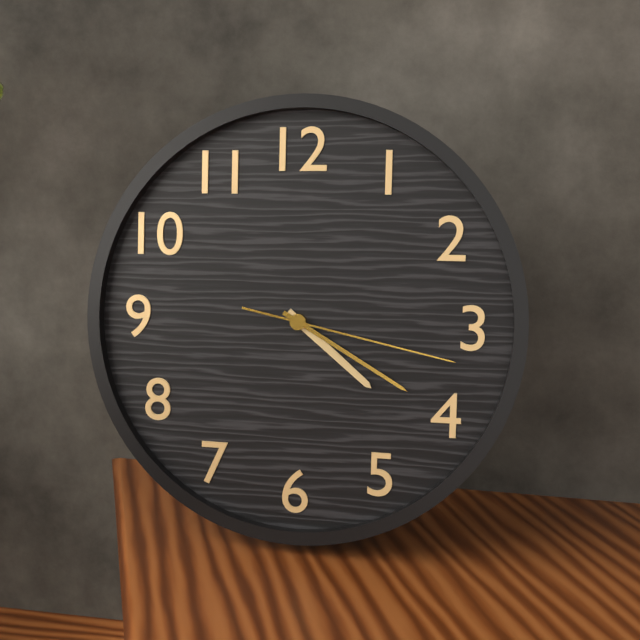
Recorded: 4:20:17
